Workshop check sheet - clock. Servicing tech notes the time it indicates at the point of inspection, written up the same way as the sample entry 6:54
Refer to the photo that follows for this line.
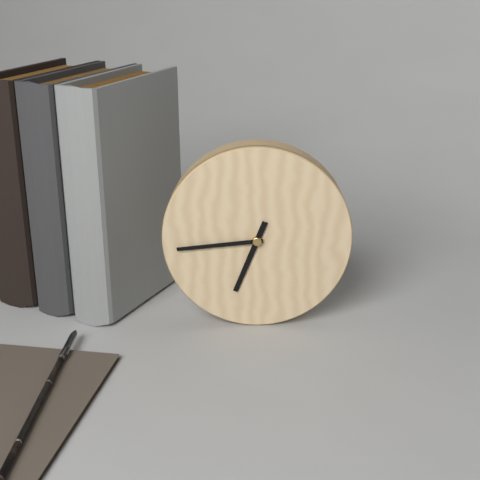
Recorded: 6:44
